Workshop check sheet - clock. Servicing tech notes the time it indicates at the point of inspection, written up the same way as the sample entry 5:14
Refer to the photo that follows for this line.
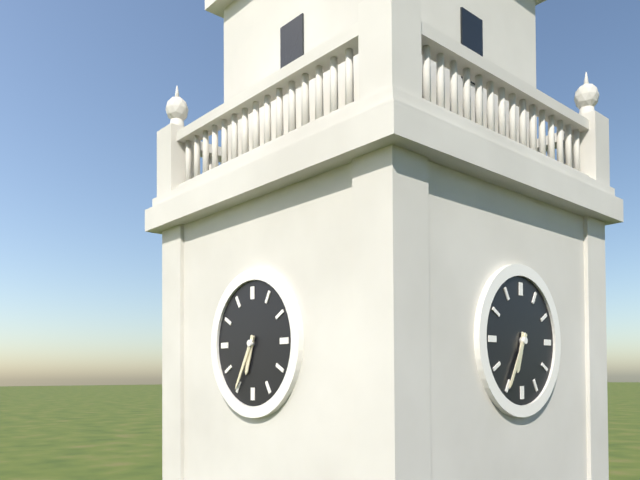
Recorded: 6:35
